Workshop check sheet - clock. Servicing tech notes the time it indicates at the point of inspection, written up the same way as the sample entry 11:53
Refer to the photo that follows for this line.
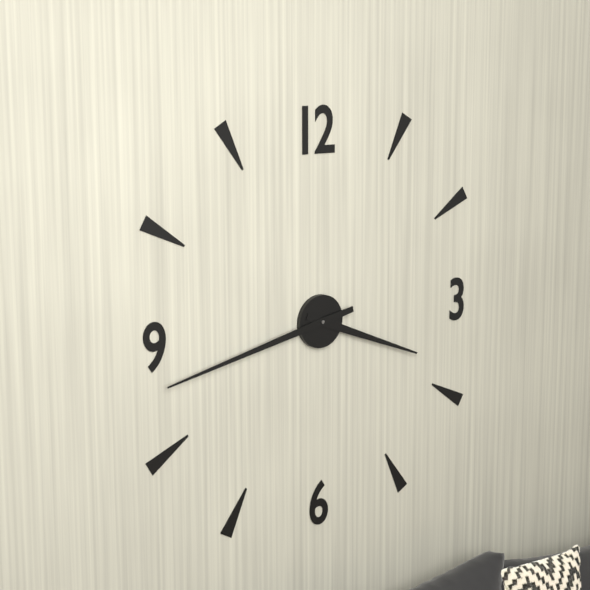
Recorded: 3:43
